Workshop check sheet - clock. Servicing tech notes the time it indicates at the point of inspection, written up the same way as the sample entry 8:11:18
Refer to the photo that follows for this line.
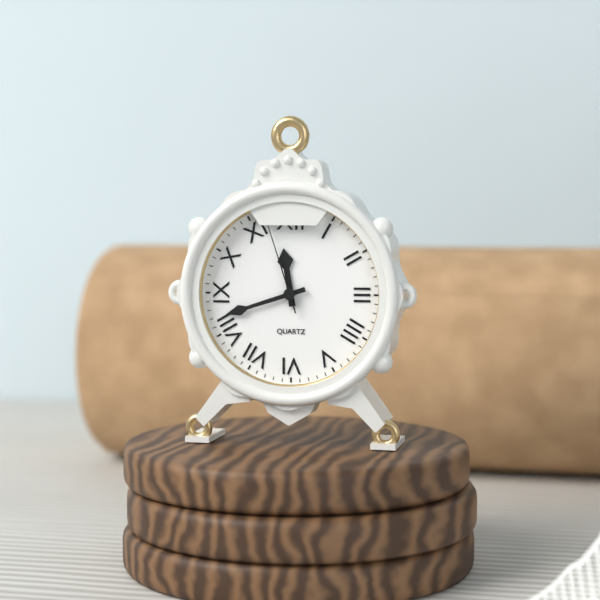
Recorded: 11:42:57
